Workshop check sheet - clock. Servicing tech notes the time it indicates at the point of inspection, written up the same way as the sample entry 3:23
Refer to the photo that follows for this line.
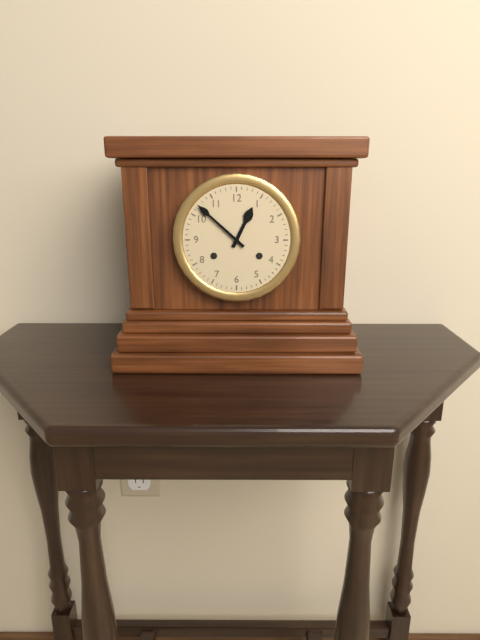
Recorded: 12:52
